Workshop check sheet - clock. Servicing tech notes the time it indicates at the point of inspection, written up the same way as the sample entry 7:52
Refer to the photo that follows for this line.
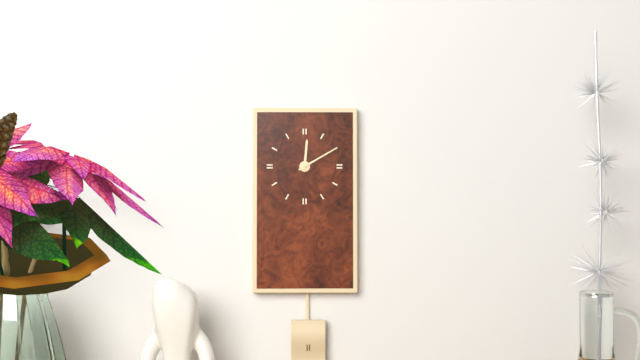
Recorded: 12:10
